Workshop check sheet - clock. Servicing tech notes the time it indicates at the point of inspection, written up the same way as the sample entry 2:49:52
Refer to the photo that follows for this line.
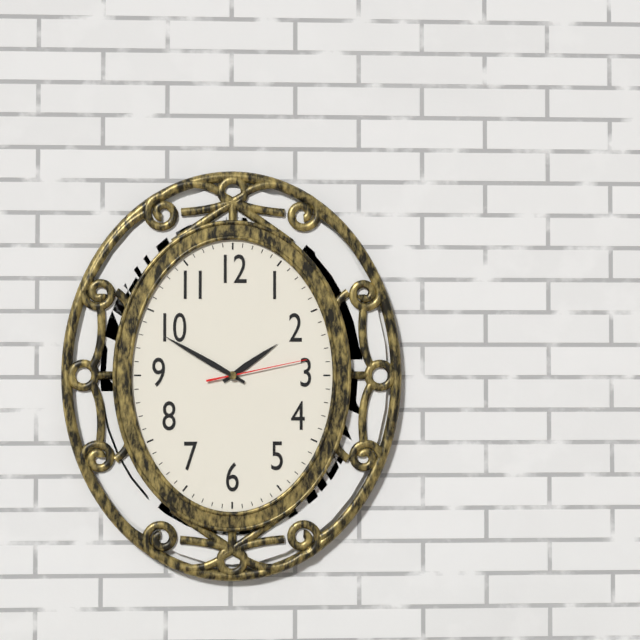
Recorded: 1:50:13
